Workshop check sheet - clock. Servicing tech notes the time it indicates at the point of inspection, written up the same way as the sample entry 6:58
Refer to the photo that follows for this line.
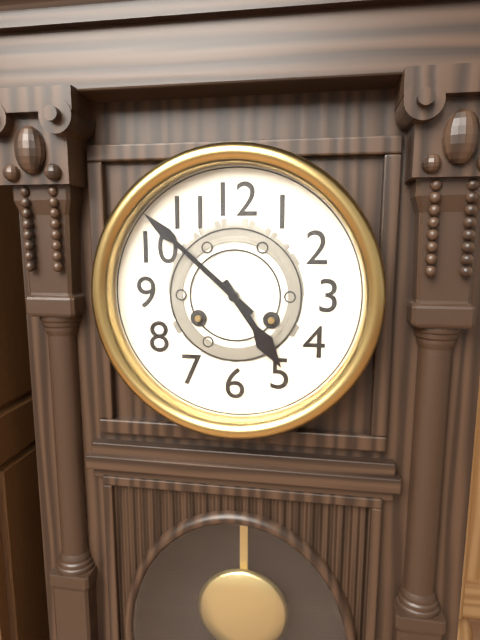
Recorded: 4:52
